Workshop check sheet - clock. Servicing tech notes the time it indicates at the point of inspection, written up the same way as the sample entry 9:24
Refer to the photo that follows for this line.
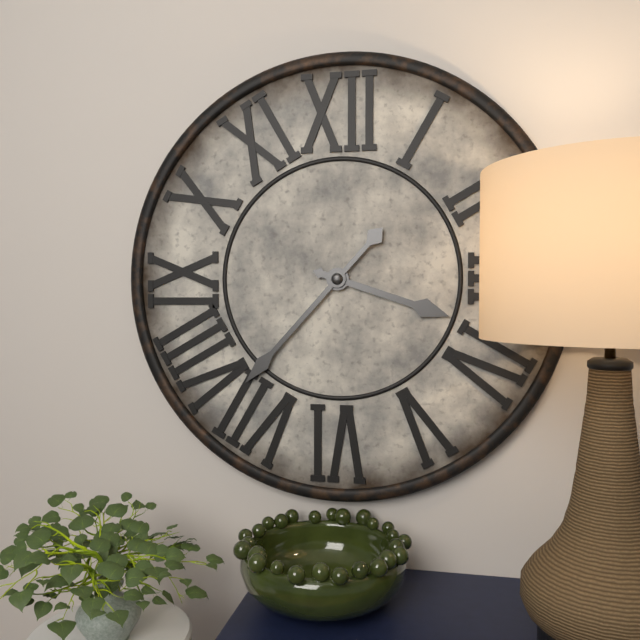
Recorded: 3:37
